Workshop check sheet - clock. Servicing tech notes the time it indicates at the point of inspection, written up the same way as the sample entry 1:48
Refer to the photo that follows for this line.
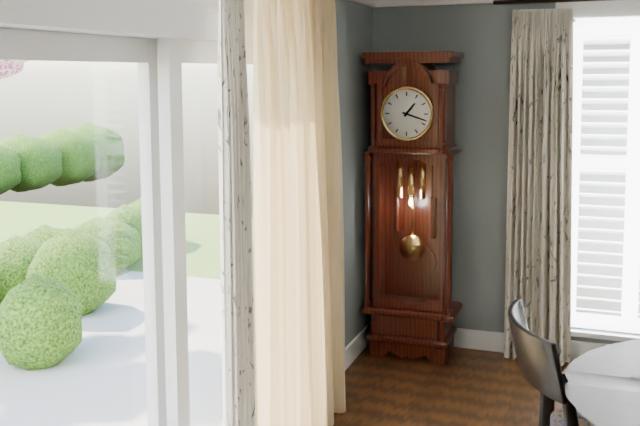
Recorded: 1:18
